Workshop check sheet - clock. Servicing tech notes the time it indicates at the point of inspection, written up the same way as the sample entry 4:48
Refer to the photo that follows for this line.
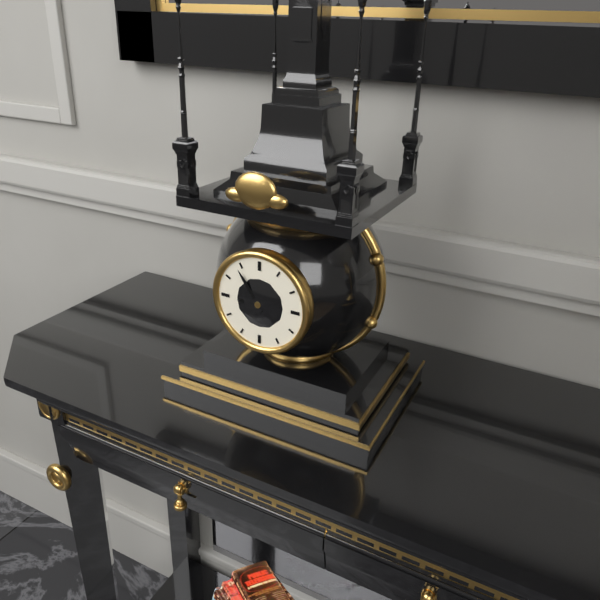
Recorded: 8:54
